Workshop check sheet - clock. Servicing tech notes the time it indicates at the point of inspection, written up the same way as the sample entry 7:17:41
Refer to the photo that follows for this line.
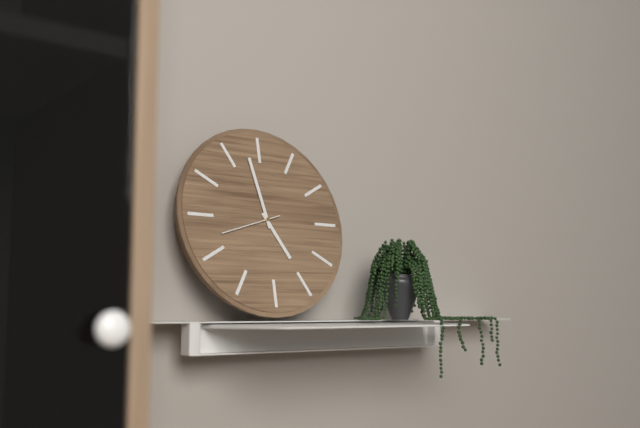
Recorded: 4:58:42
